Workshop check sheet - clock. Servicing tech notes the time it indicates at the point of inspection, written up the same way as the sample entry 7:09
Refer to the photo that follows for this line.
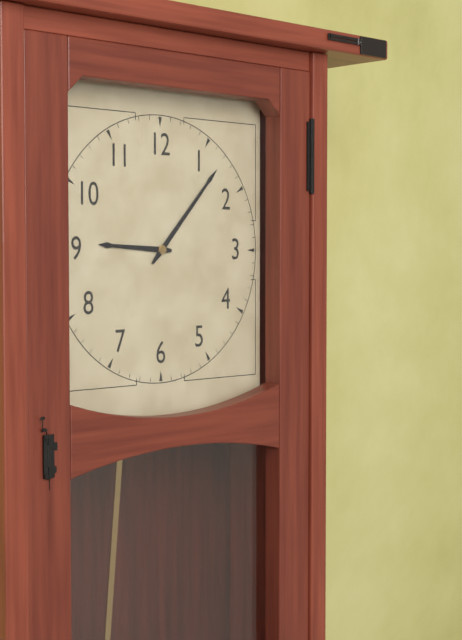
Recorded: 9:07
